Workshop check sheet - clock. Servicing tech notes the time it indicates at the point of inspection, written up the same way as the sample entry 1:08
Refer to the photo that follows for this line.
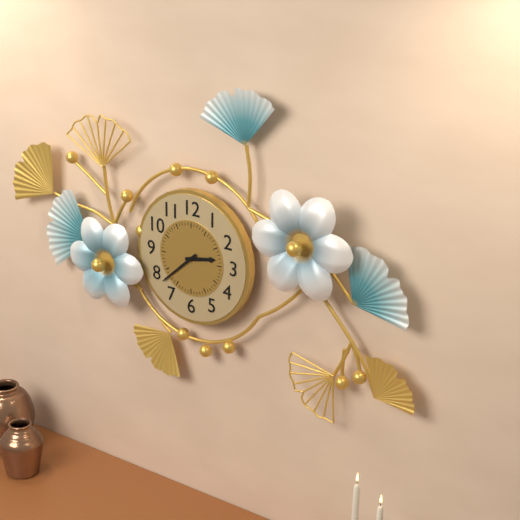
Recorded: 2:38
